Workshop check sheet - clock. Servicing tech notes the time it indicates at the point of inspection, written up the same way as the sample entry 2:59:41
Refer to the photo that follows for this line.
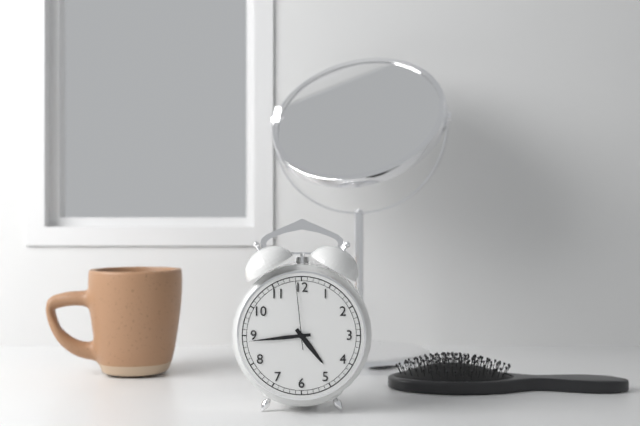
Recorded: 4:44:59
